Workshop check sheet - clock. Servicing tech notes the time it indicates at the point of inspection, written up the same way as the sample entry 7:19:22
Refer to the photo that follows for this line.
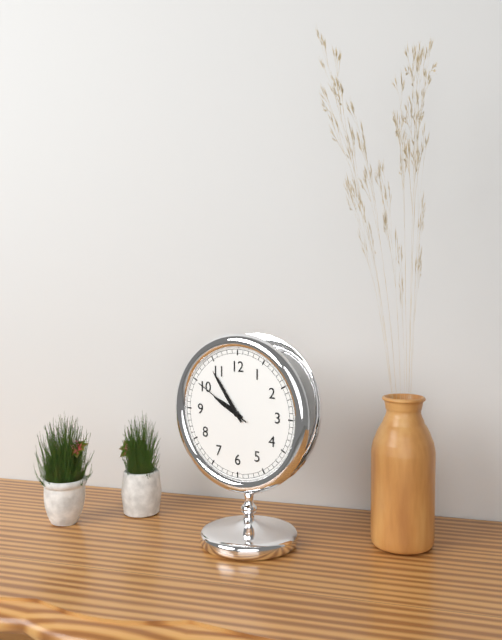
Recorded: 9:54:50
